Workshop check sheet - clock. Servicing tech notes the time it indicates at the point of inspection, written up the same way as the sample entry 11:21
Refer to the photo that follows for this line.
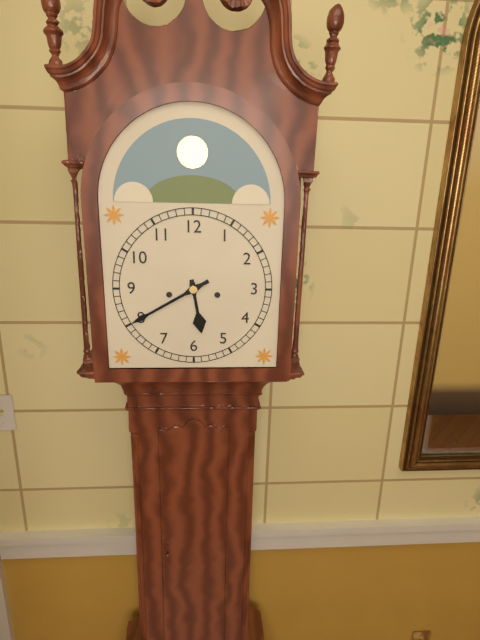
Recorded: 5:40
